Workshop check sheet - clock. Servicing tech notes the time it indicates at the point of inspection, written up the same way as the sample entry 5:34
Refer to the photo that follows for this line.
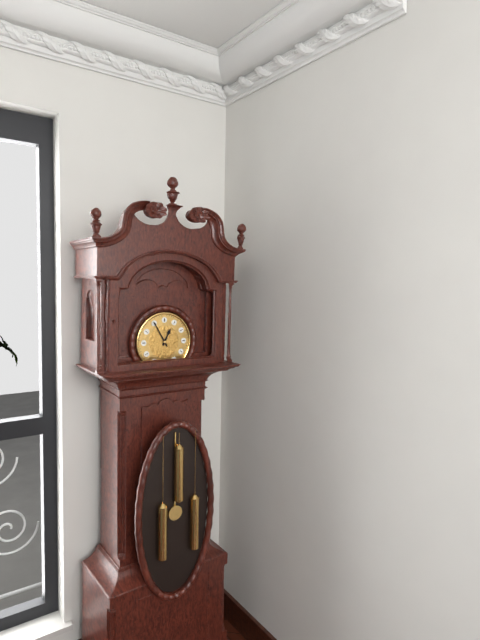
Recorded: 12:55
